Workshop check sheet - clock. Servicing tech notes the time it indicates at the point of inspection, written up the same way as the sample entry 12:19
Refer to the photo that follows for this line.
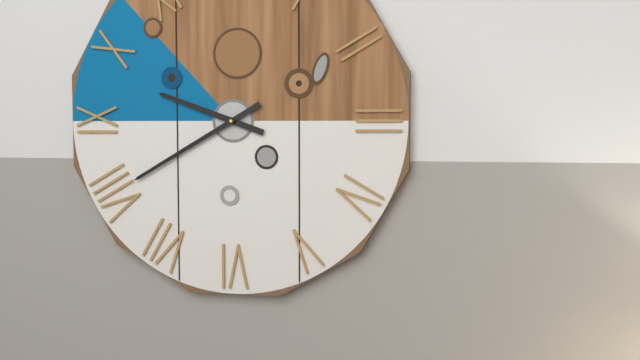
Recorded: 9:40
